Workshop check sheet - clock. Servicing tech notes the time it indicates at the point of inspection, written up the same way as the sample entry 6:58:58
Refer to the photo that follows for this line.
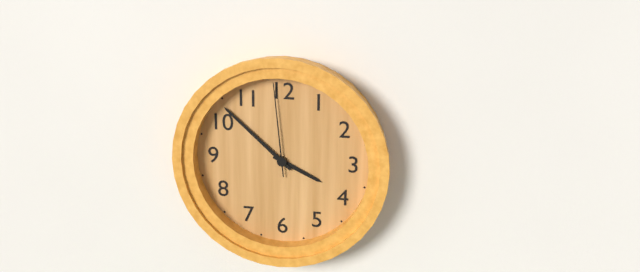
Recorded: 3:52:59
